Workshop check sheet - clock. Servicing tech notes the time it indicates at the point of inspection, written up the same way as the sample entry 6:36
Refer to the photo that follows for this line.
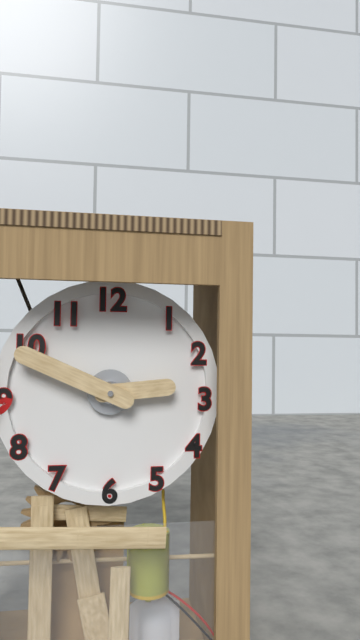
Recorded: 2:49
